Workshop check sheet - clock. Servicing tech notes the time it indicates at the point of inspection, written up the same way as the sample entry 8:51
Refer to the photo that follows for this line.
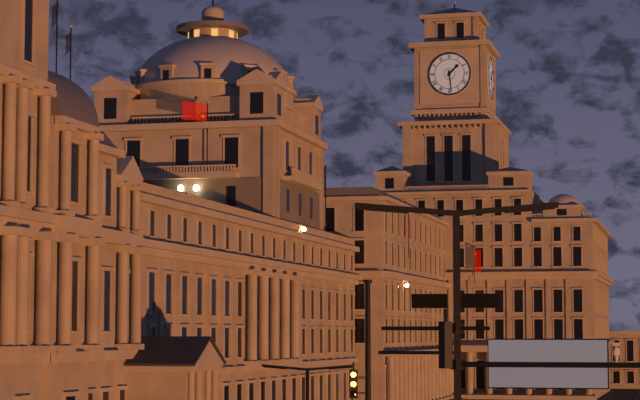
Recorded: 1:29
